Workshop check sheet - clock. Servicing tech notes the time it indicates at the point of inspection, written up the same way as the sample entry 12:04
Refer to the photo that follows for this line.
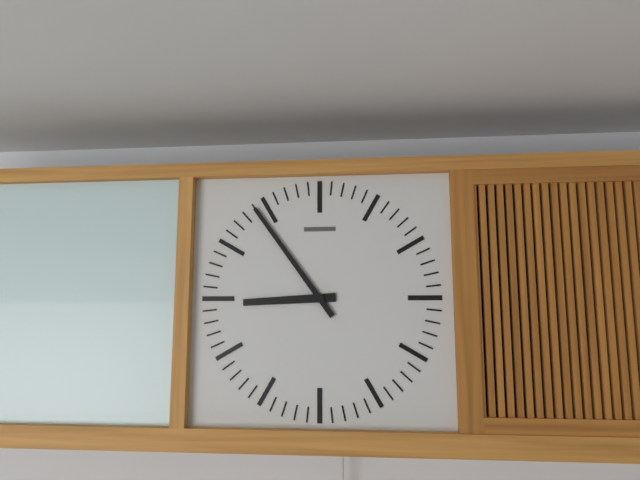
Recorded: 8:54
